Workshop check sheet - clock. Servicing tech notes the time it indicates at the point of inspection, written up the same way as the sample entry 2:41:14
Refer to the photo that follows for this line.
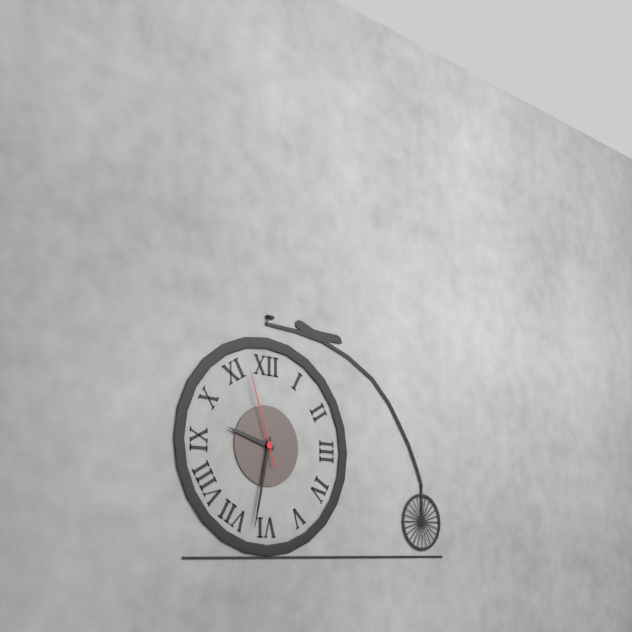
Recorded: 9:32:57
